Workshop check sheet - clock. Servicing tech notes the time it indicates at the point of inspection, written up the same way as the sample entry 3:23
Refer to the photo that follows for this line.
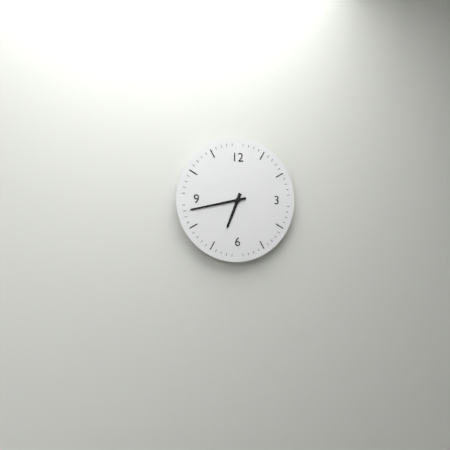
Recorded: 6:43
